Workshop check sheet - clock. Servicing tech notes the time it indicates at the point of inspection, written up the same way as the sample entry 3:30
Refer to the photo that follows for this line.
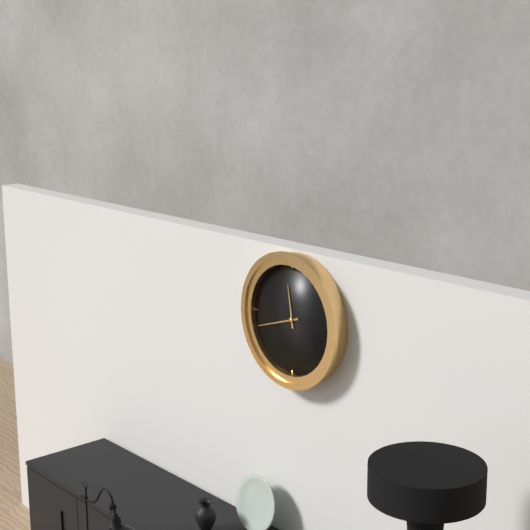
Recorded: 11:42
